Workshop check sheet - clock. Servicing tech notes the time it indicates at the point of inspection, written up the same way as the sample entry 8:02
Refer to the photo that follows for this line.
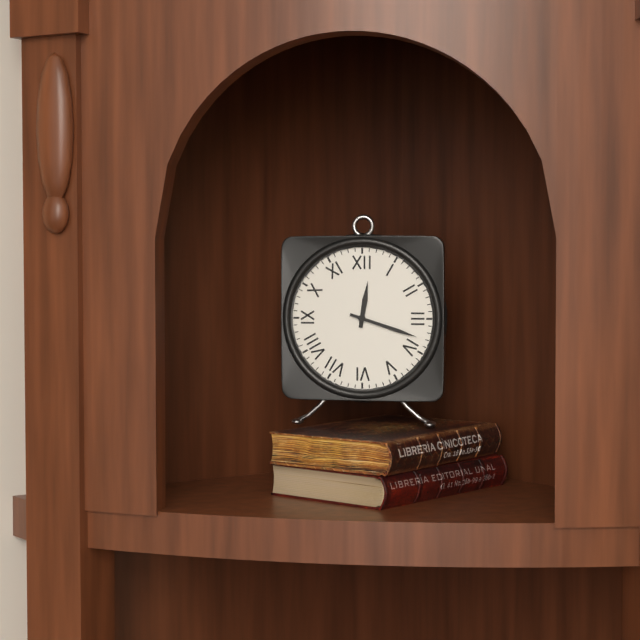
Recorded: 12:18
